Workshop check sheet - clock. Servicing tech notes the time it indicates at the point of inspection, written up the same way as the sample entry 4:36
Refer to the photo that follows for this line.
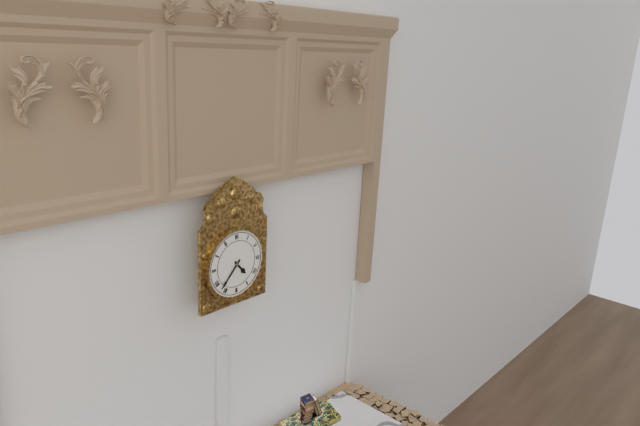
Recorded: 4:37
